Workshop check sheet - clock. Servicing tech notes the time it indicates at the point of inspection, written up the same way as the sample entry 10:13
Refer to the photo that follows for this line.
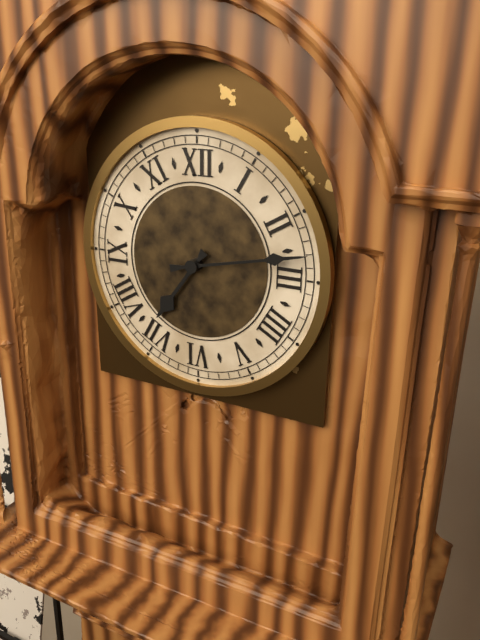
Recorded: 7:13
